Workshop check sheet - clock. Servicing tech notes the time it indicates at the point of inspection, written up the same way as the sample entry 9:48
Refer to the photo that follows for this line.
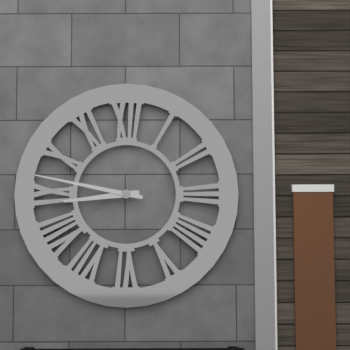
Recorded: 8:47
